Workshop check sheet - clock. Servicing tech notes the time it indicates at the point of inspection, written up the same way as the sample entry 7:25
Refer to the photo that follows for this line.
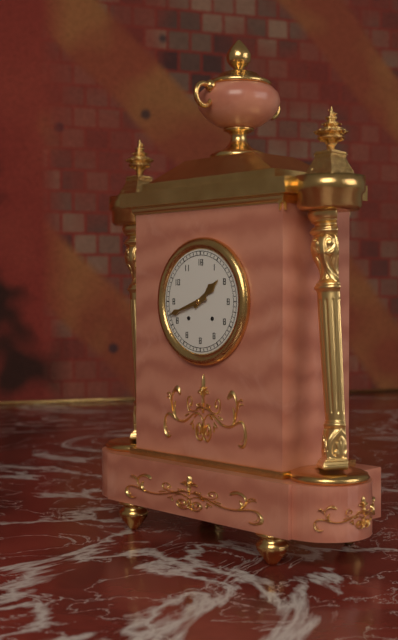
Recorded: 1:42
